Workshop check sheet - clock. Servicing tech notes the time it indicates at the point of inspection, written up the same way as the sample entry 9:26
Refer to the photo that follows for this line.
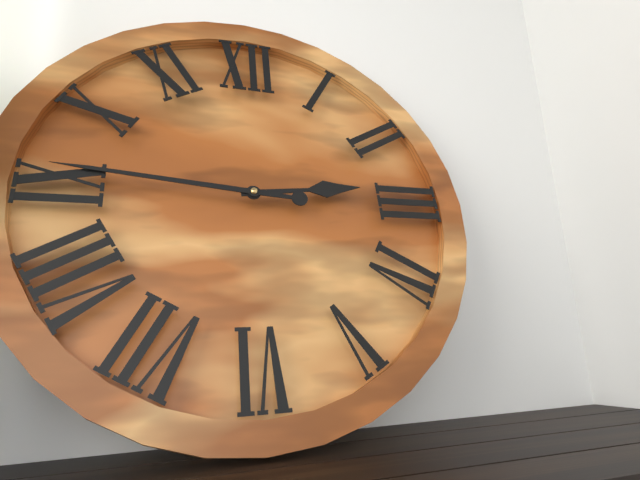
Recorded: 2:46
